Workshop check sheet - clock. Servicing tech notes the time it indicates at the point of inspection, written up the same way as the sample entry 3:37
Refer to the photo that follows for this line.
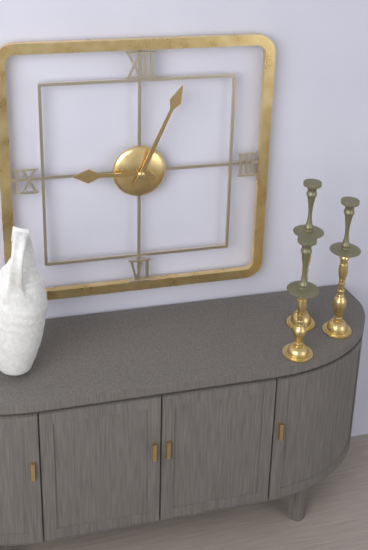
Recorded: 9:04
